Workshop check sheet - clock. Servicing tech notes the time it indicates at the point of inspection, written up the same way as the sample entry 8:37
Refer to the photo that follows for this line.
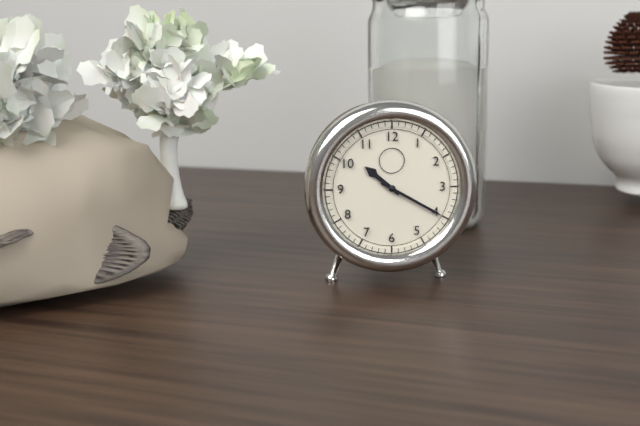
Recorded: 10:20
